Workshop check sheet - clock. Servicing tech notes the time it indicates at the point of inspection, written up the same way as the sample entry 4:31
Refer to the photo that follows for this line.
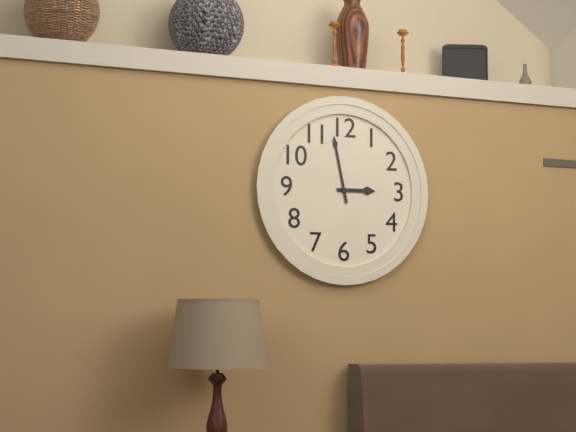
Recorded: 2:58
